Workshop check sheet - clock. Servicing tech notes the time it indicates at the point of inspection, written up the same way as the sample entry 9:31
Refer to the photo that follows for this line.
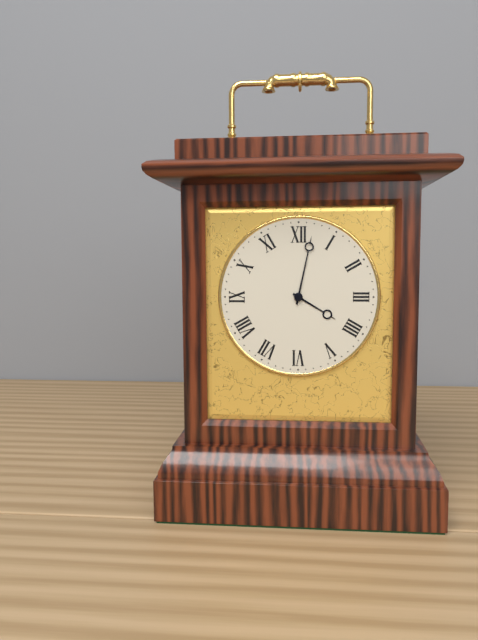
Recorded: 4:02
